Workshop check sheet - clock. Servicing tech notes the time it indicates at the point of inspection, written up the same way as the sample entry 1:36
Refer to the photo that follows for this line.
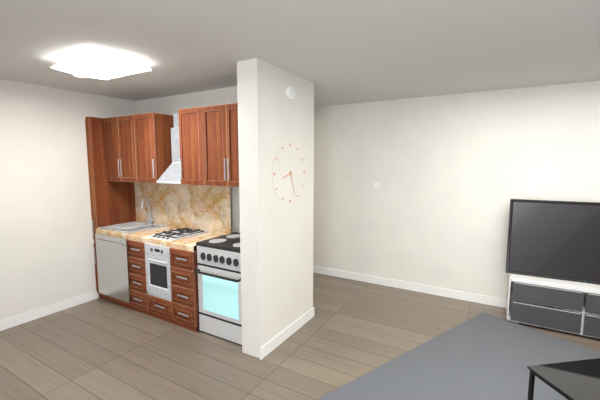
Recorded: 8:27
